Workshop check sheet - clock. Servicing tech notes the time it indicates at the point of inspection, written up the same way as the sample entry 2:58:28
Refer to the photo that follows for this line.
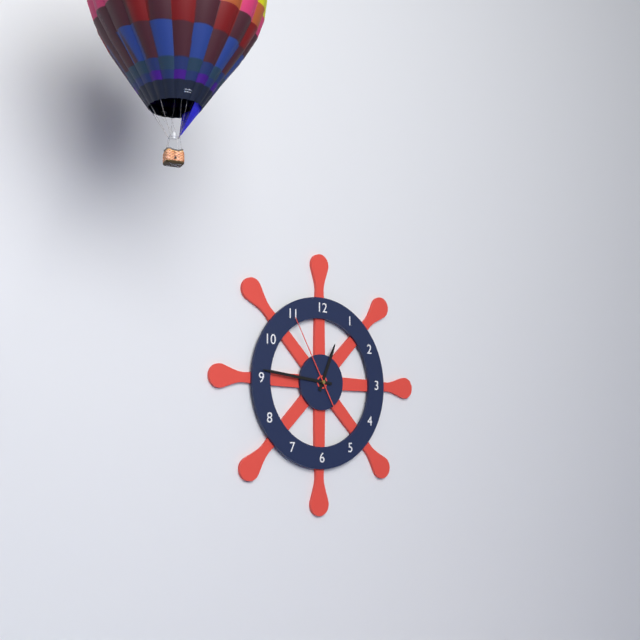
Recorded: 12:46:55
